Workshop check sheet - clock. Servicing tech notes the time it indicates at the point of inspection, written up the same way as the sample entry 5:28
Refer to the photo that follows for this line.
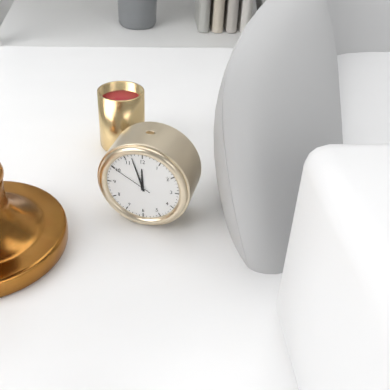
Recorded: 11:57
